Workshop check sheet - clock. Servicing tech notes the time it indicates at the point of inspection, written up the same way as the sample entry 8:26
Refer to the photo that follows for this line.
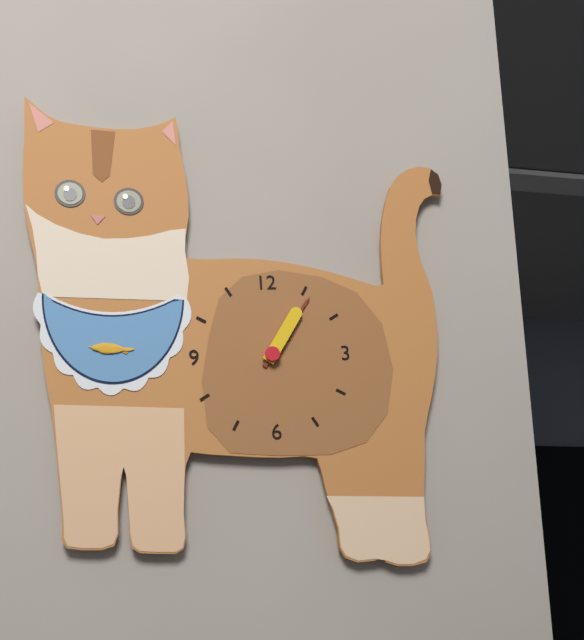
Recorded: 1:06
